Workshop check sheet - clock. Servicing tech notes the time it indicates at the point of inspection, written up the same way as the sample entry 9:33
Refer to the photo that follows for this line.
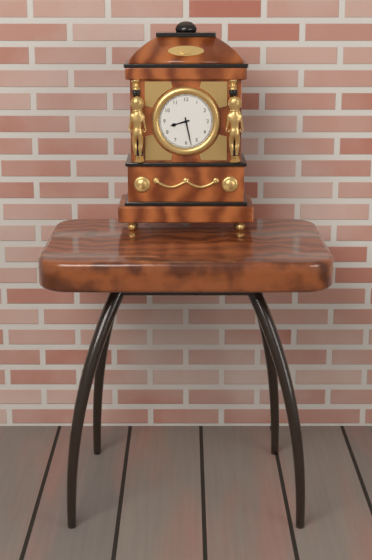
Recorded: 8:28
